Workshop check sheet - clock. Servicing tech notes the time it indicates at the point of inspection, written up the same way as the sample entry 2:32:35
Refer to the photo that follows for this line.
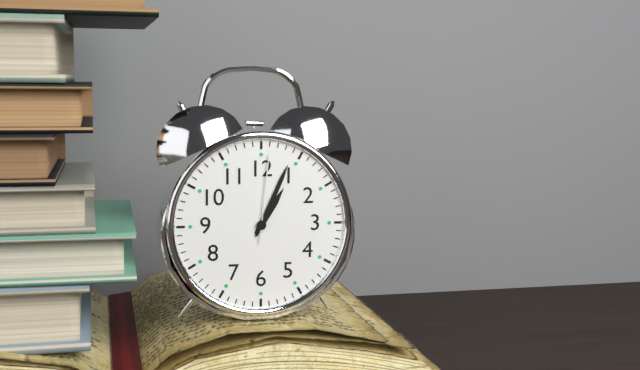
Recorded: 1:04:01
